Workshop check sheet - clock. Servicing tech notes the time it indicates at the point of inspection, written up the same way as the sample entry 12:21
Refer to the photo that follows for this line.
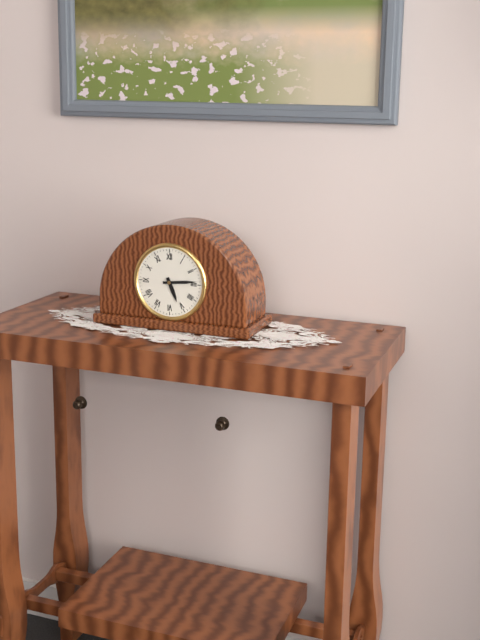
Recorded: 5:14
